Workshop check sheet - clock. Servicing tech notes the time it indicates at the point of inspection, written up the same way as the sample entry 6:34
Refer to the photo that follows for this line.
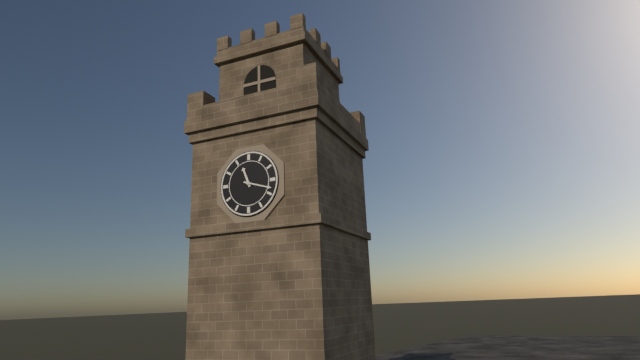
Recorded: 11:18
